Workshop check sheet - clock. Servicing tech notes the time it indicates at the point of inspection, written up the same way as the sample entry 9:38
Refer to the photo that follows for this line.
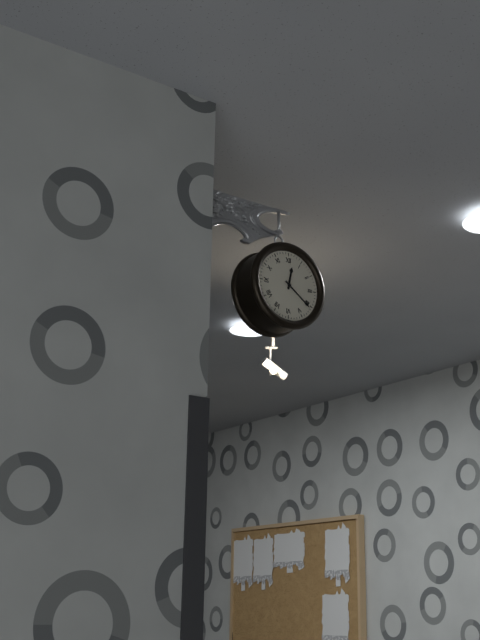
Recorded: 12:21
